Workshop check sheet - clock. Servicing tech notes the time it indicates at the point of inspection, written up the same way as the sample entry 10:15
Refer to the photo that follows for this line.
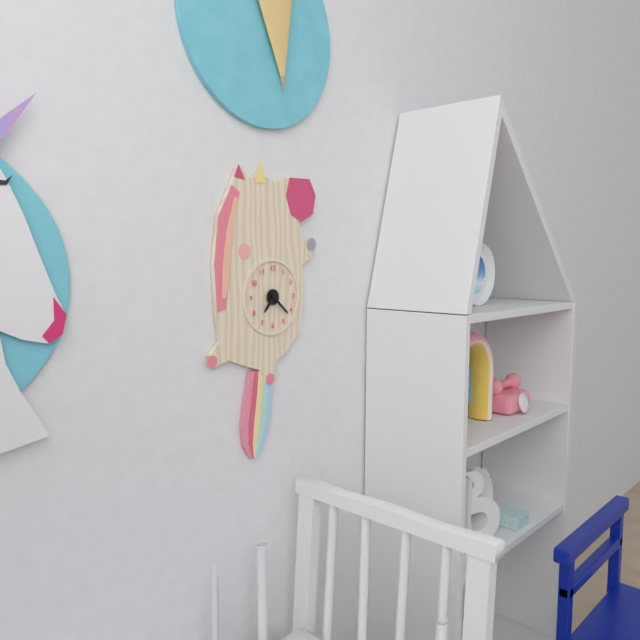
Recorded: 7:22
